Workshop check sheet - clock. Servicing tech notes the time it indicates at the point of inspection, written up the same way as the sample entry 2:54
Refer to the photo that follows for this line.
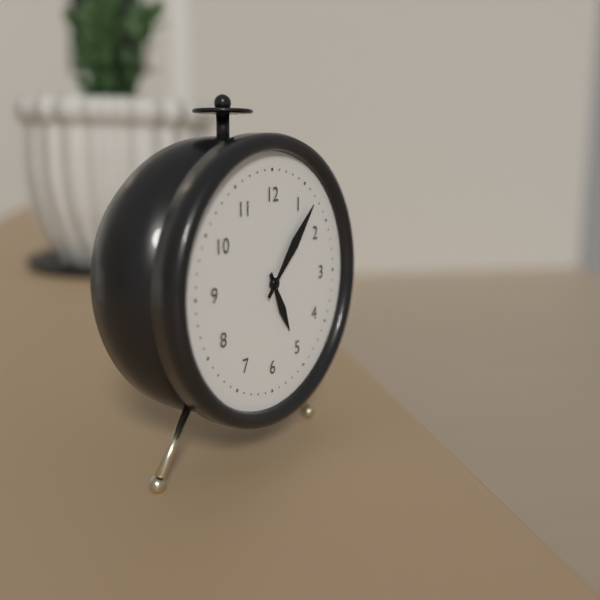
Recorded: 5:07
